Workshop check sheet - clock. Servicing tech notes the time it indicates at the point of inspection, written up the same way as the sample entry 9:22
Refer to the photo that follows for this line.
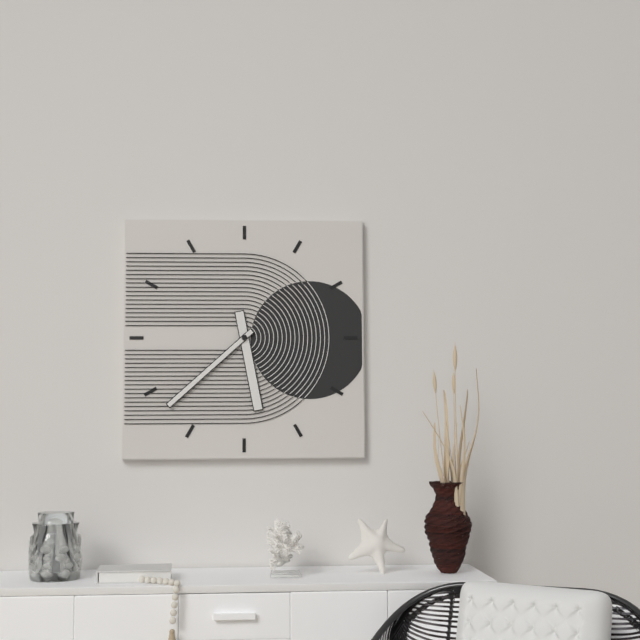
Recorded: 5:38
